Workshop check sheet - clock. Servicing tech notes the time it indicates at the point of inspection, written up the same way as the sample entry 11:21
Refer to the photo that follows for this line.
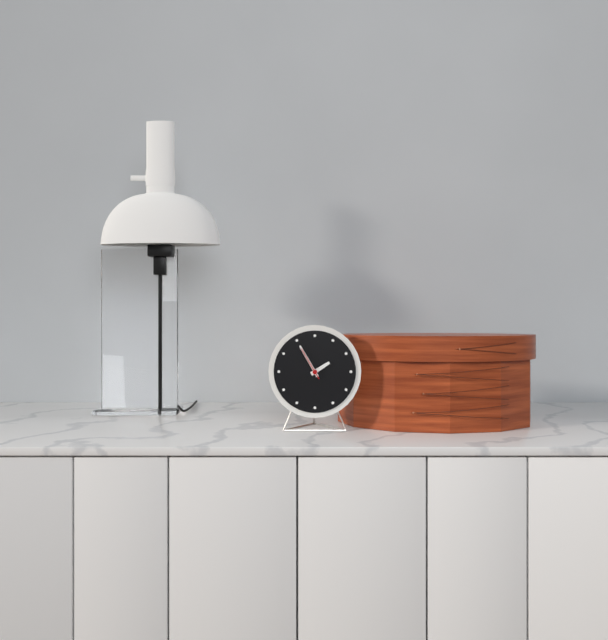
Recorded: 1:55
